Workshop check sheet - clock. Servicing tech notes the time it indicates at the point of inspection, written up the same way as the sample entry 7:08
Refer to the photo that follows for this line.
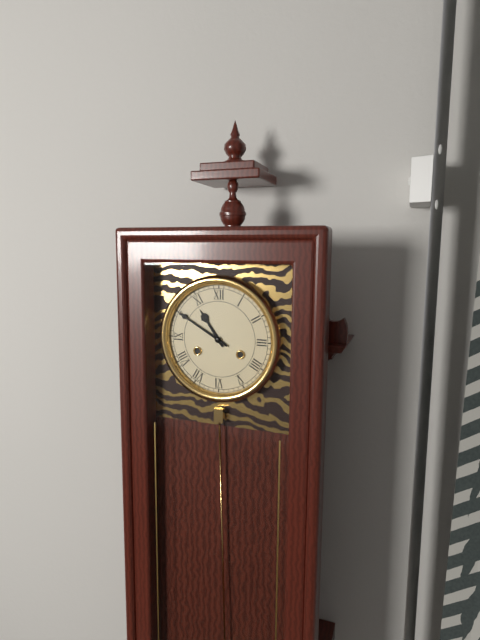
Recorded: 10:50
